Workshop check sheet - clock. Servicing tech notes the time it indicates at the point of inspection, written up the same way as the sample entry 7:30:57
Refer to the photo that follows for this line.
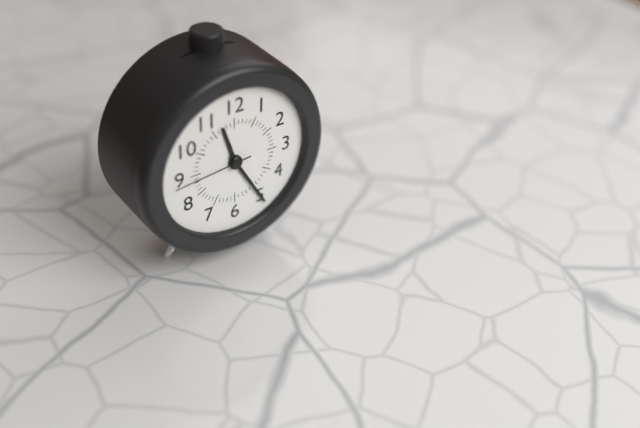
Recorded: 11:25:44
